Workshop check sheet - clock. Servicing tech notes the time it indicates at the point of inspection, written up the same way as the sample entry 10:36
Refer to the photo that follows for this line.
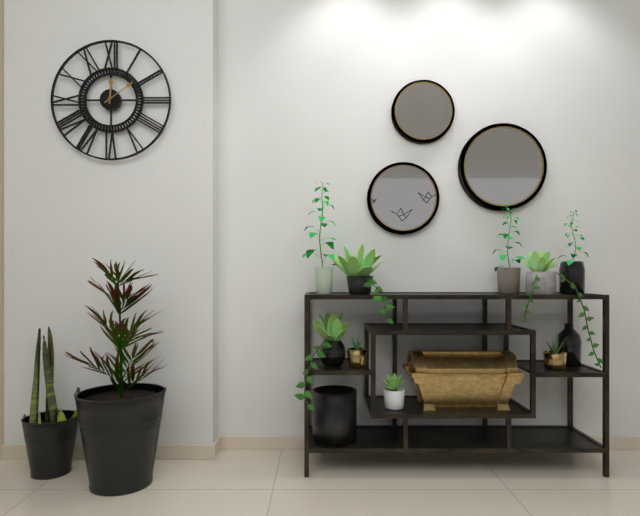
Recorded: 12:09
